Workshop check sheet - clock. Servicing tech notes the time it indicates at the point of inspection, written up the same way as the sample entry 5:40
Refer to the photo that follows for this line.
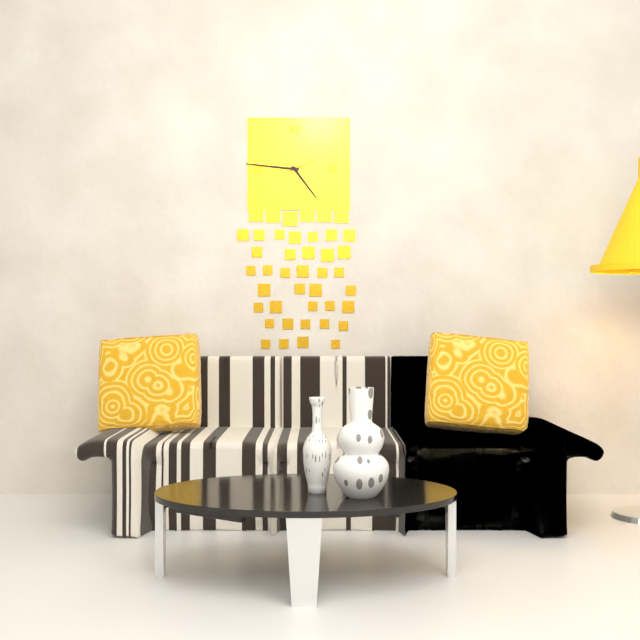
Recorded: 4:46
